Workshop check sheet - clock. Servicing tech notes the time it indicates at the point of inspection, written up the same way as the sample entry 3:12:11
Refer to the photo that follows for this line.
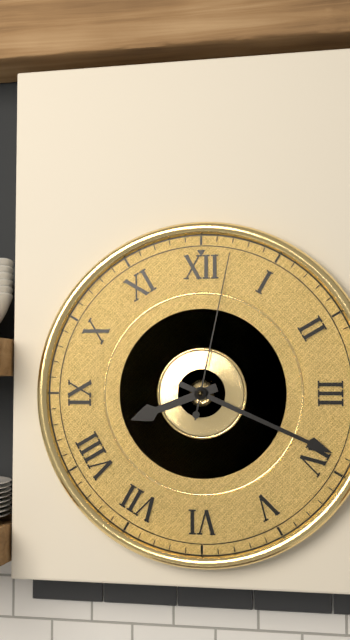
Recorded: 8:19:02
